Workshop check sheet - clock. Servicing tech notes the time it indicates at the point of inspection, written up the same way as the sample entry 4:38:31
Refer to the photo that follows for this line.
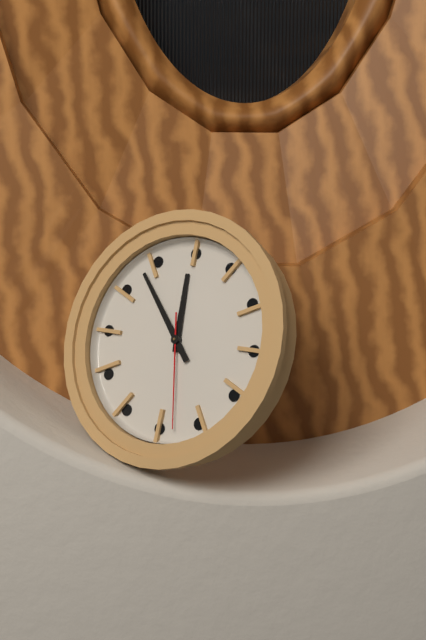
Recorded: 11:53:28
